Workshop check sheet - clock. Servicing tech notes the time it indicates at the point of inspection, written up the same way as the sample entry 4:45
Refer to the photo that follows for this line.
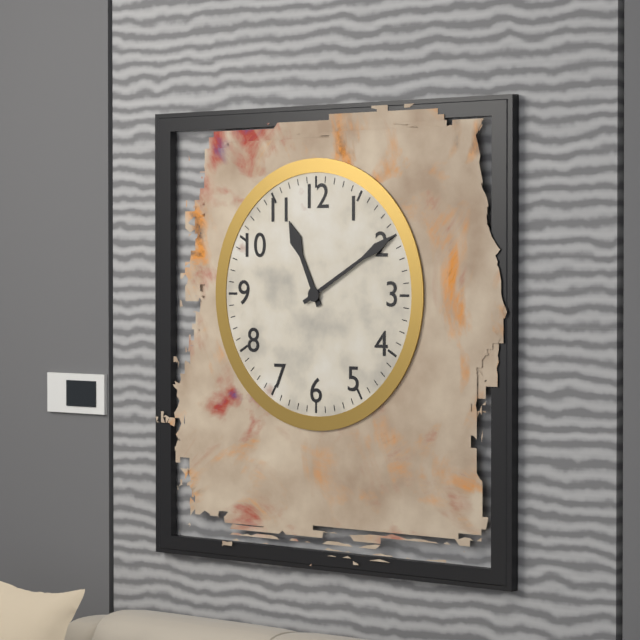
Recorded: 11:10
